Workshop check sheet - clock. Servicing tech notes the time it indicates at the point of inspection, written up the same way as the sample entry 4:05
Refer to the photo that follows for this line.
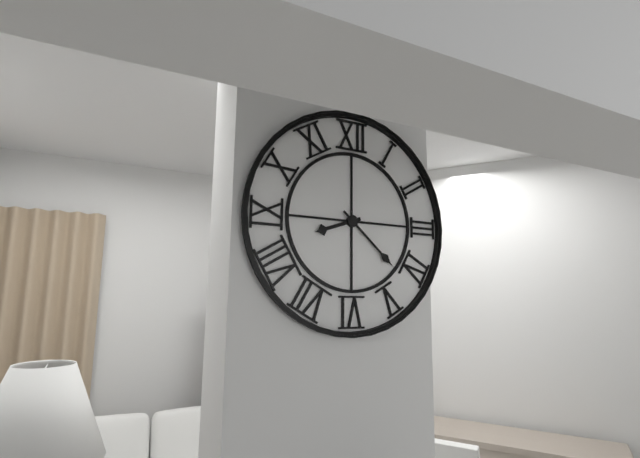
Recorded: 8:22
